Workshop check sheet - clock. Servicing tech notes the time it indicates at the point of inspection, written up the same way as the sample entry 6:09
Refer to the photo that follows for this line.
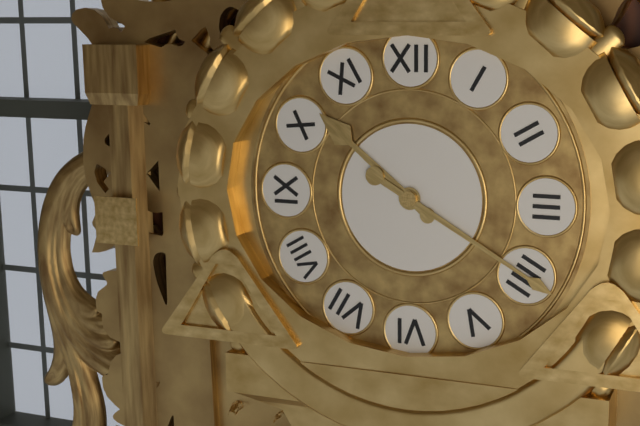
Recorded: 10:20
